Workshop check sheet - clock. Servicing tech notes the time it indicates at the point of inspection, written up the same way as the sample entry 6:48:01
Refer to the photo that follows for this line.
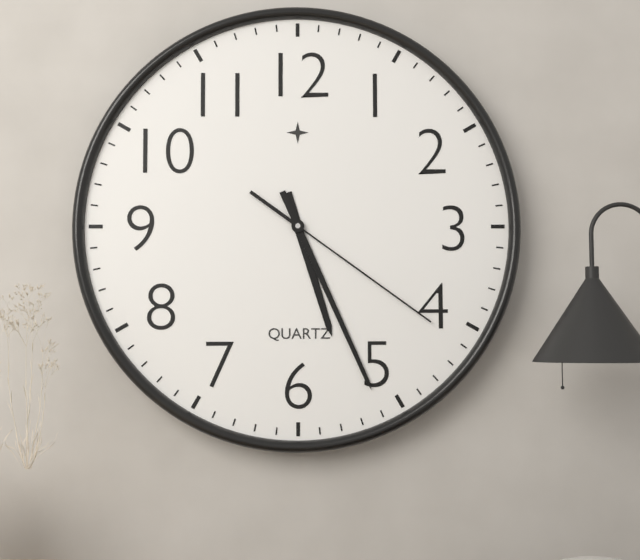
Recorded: 5:26:21
